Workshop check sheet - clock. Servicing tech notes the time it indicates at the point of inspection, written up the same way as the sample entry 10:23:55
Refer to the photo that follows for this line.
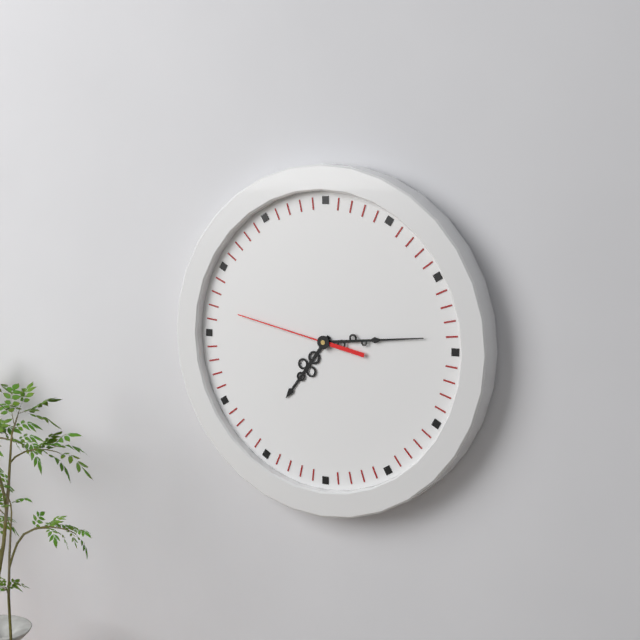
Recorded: 7:14:47
